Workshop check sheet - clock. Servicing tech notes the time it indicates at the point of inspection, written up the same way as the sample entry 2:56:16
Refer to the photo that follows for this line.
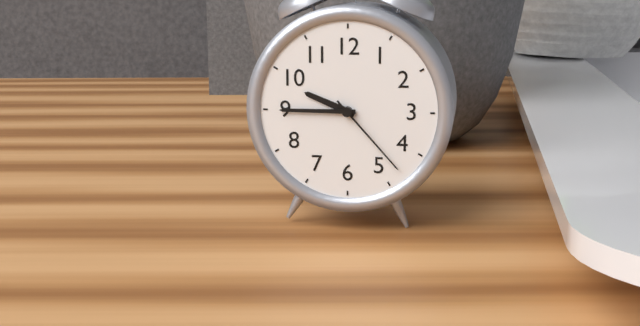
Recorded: 9:45:23
